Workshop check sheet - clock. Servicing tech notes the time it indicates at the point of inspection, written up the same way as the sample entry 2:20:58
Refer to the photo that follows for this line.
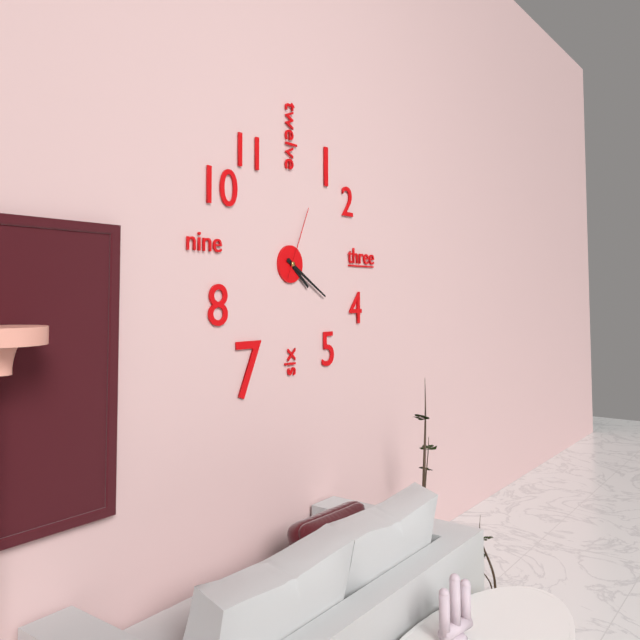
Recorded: 4:20:04
